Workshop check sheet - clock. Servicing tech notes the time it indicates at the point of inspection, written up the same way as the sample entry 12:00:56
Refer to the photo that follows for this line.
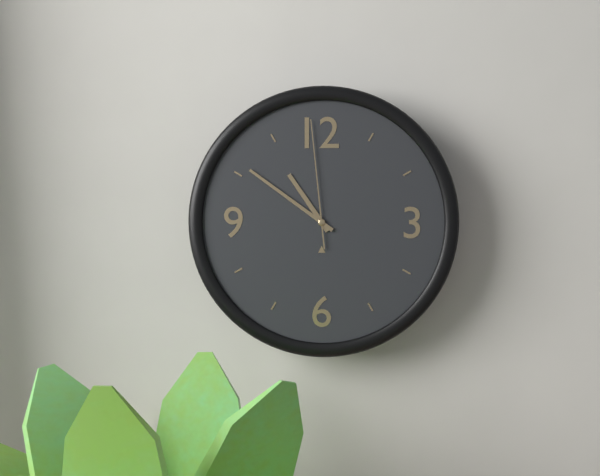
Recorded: 10:51:59
